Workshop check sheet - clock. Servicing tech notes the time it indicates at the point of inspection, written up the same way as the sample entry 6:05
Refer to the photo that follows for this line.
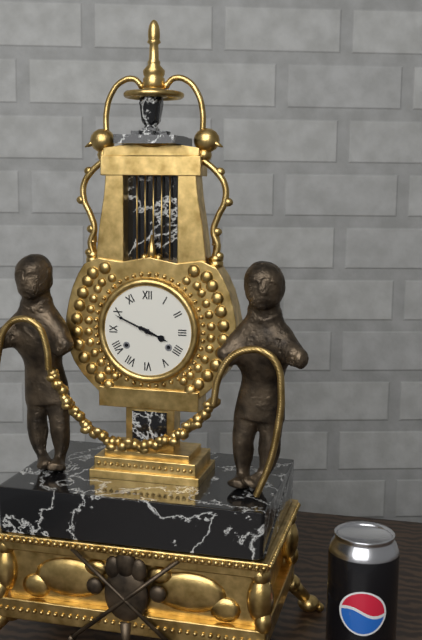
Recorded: 3:49
